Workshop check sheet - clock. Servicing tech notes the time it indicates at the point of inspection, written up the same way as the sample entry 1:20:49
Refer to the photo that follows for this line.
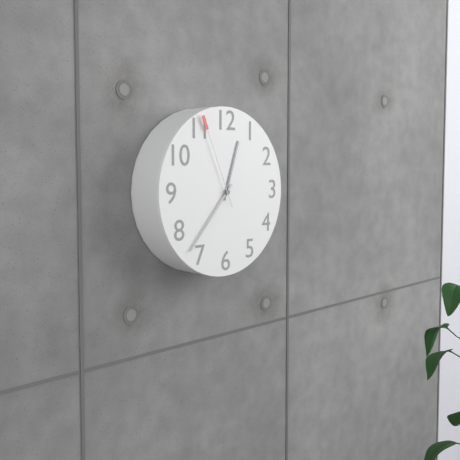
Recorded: 12:37:56
